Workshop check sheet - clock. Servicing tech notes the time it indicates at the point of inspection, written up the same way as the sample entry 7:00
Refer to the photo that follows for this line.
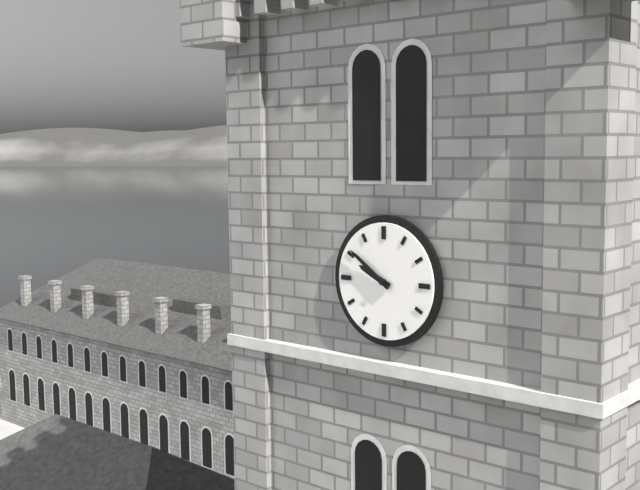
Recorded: 9:51
